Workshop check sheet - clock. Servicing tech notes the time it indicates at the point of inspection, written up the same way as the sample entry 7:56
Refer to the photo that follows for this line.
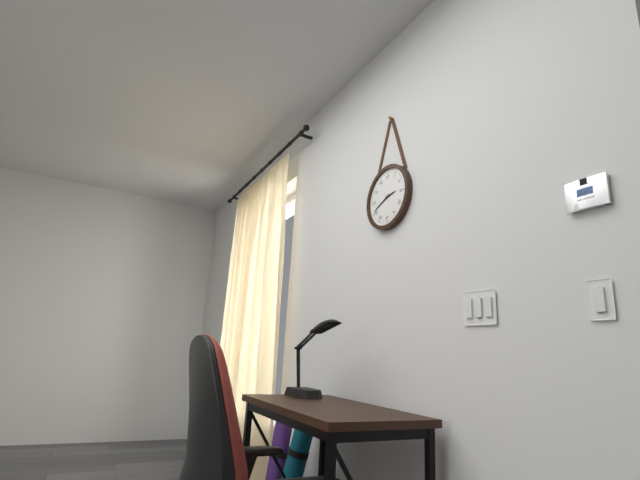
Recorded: 2:41
